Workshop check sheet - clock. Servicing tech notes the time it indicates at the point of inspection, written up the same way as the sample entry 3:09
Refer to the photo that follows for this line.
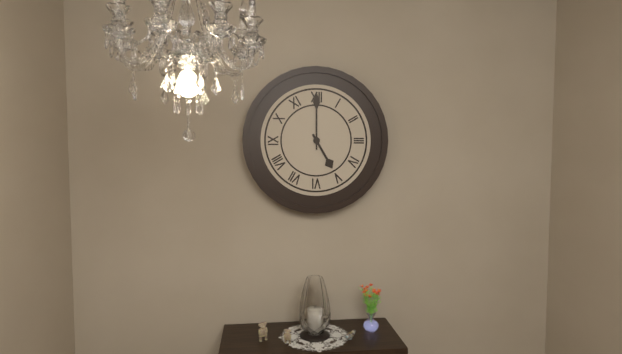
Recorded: 5:00
